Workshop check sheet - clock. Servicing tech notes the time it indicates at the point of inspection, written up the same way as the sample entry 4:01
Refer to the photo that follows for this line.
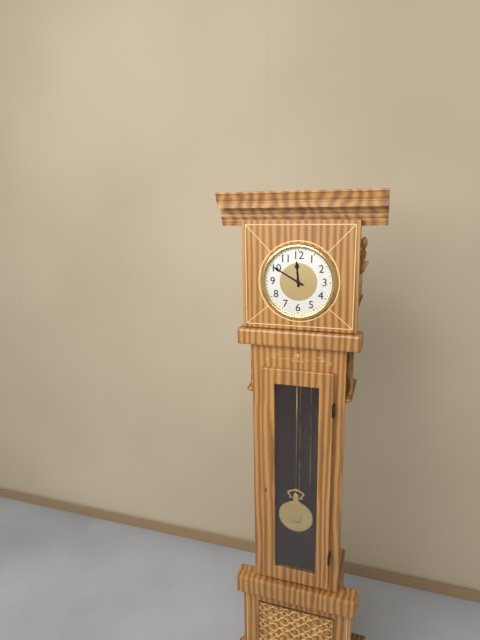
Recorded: 11:50
